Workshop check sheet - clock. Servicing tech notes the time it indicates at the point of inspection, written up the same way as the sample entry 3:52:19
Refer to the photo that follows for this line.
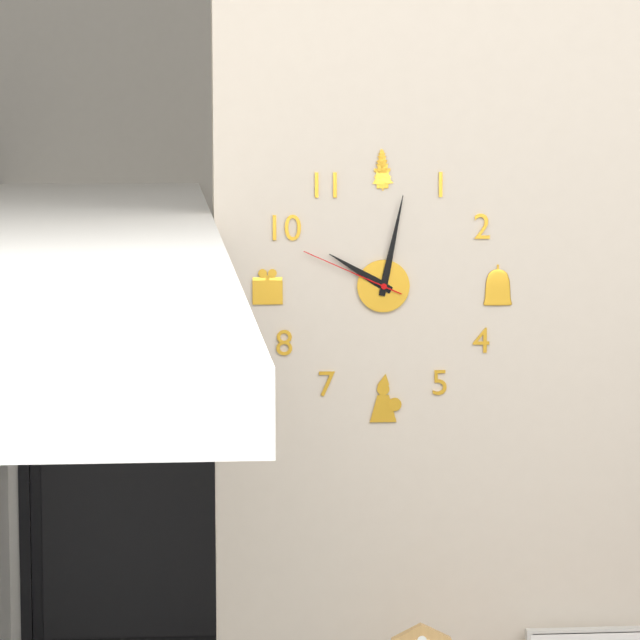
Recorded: 10:02:49
